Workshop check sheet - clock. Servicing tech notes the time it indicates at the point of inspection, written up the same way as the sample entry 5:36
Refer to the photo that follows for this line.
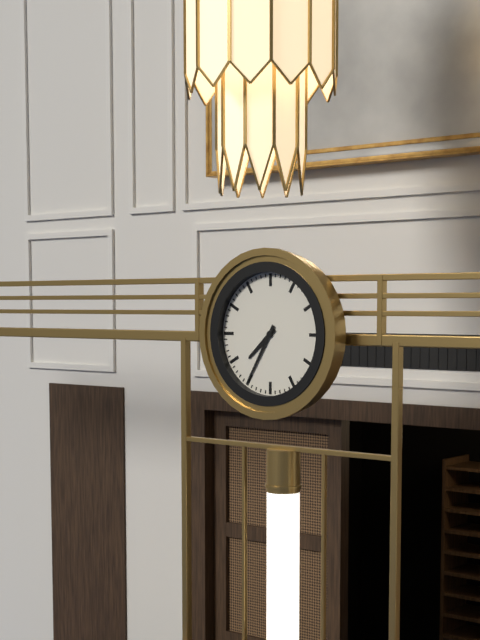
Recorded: 7:35
